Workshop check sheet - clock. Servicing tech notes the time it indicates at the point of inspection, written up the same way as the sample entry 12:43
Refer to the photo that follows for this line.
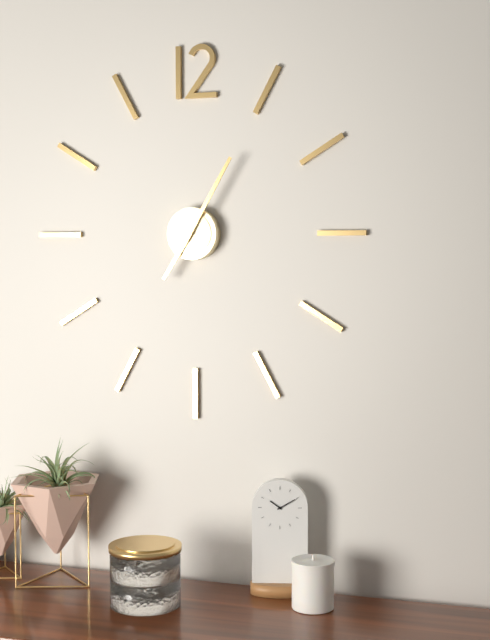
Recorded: 7:05
